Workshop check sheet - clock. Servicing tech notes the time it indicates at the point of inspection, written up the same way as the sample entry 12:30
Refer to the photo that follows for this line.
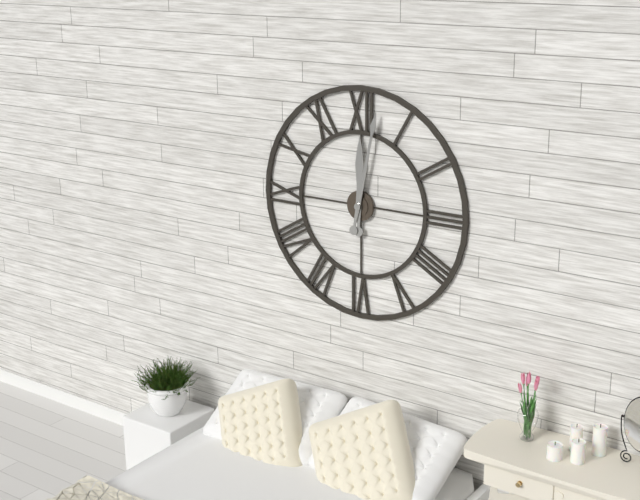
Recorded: 12:02
